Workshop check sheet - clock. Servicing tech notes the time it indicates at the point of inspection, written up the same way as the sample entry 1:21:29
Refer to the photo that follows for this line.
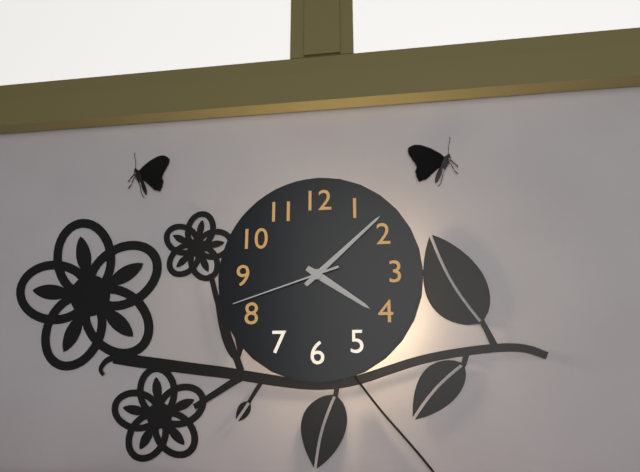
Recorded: 4:08:42
